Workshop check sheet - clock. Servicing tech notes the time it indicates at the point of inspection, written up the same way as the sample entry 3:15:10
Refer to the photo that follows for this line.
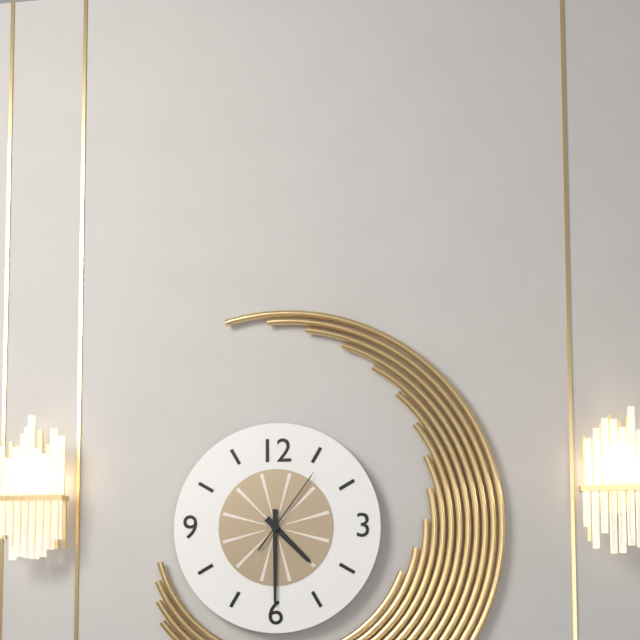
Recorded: 4:30:06
